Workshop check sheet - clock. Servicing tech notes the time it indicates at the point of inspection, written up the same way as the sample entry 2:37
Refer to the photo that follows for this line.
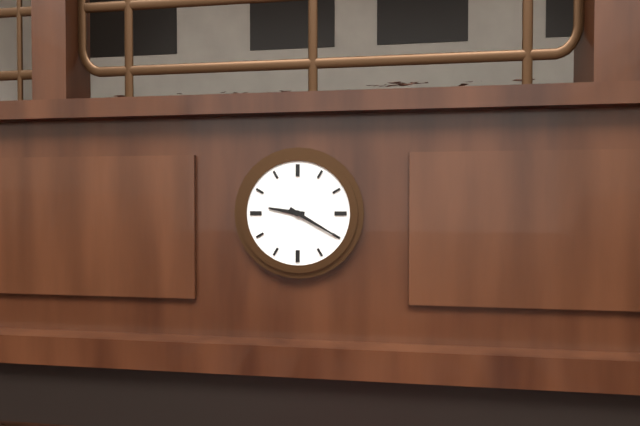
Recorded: 9:20
